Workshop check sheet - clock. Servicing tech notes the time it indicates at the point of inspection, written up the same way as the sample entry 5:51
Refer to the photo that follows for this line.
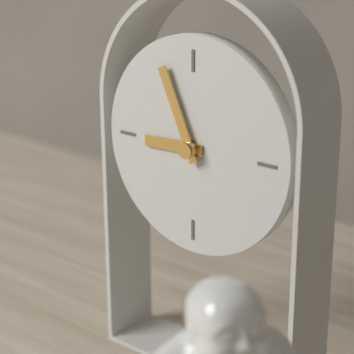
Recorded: 8:56
